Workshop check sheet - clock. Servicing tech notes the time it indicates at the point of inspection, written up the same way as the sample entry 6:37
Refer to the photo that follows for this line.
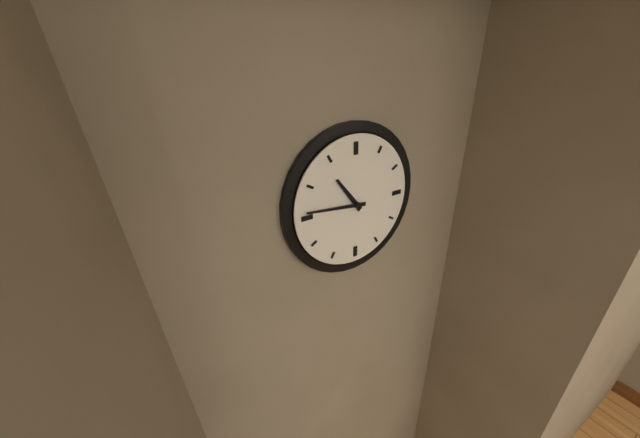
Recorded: 10:46
